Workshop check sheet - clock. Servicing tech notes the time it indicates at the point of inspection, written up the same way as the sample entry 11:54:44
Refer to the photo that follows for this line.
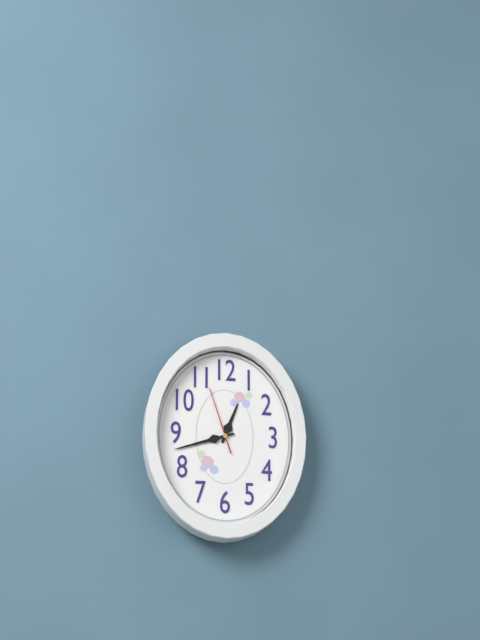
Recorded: 12:42:57
